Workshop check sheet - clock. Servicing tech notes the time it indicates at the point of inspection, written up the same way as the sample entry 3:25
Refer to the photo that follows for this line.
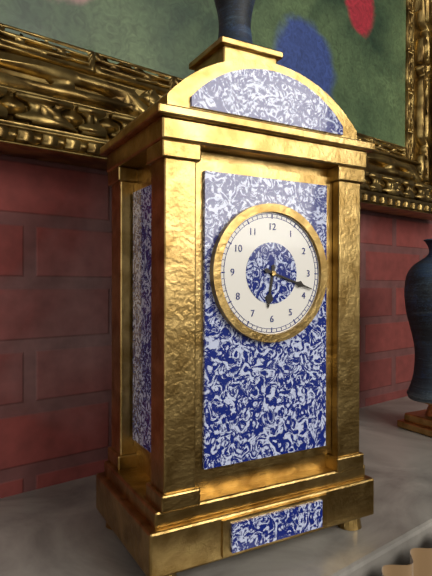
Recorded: 6:18
